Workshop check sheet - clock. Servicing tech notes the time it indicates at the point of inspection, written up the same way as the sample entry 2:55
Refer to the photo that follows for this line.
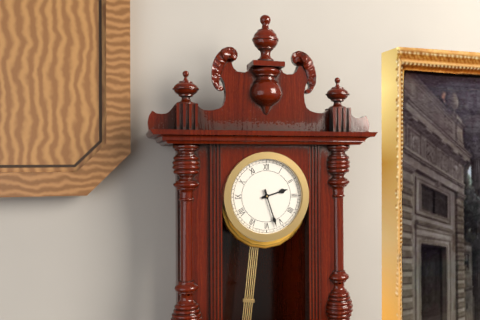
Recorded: 2:27
